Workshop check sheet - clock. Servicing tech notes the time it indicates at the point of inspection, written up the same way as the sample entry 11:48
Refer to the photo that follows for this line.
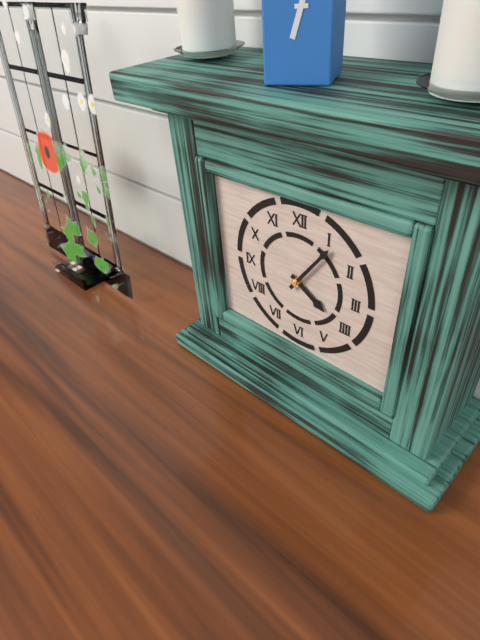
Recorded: 4:06
